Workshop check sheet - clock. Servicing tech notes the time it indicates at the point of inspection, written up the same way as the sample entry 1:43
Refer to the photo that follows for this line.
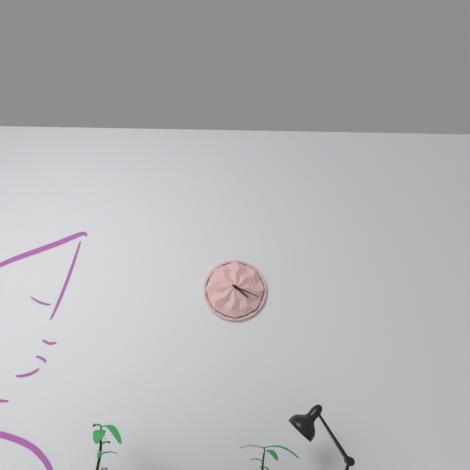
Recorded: 4:19
